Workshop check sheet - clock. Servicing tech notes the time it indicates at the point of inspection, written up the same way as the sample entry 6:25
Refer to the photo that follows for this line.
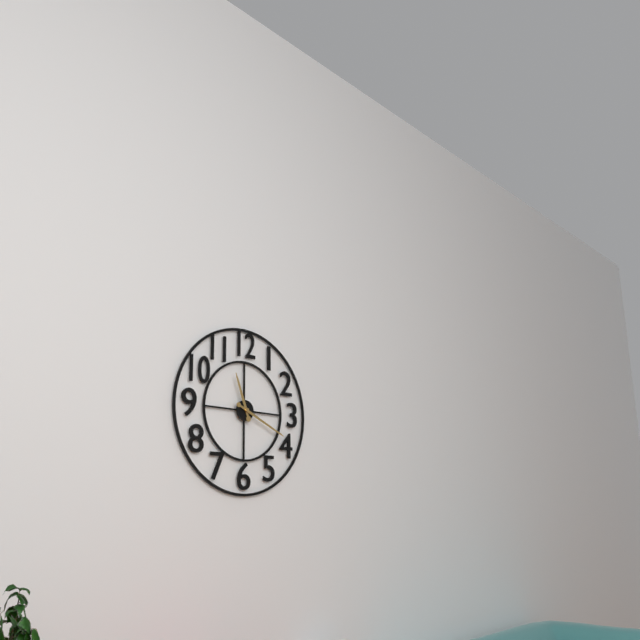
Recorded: 11:19
